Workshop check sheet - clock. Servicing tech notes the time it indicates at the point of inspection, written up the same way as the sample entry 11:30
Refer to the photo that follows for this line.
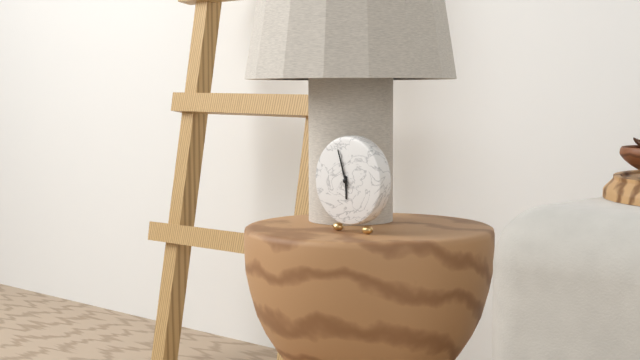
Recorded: 5:57
